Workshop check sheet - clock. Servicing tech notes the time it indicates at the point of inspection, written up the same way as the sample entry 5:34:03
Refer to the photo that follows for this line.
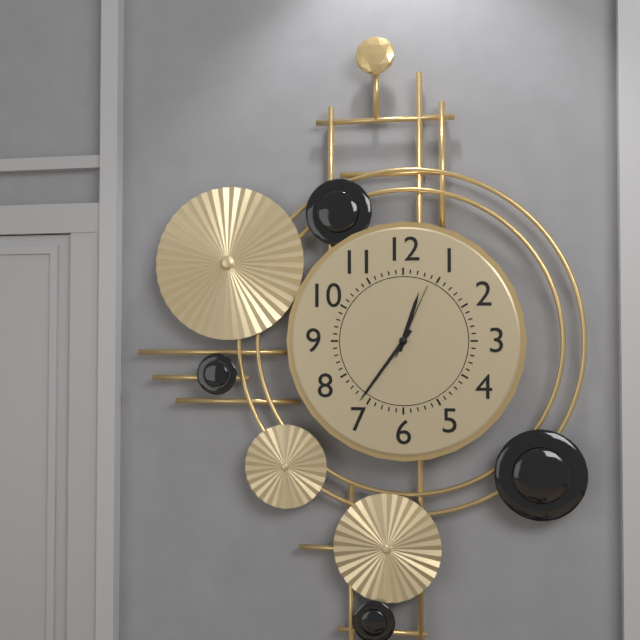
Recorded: 12:36:04
